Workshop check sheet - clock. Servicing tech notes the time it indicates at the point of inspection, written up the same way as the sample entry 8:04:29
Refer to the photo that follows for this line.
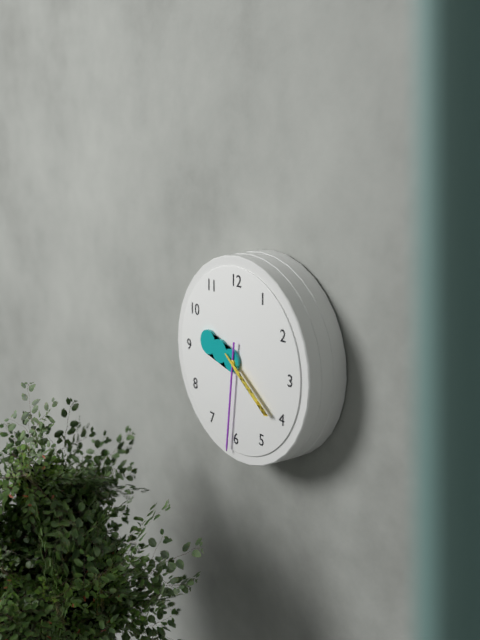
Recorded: 9:31:21
